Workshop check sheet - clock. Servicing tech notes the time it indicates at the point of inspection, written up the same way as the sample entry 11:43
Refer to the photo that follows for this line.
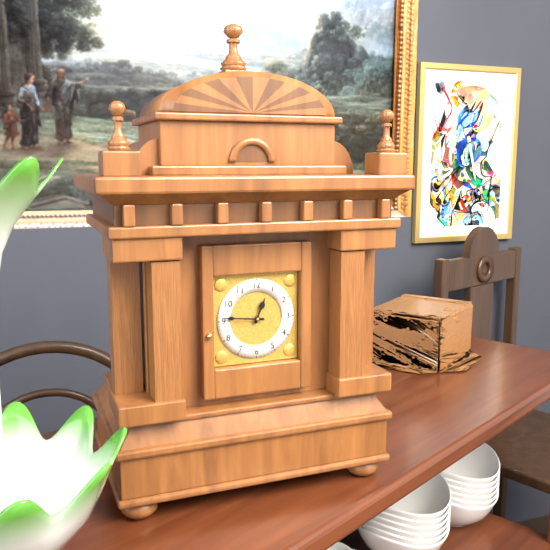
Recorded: 12:46
